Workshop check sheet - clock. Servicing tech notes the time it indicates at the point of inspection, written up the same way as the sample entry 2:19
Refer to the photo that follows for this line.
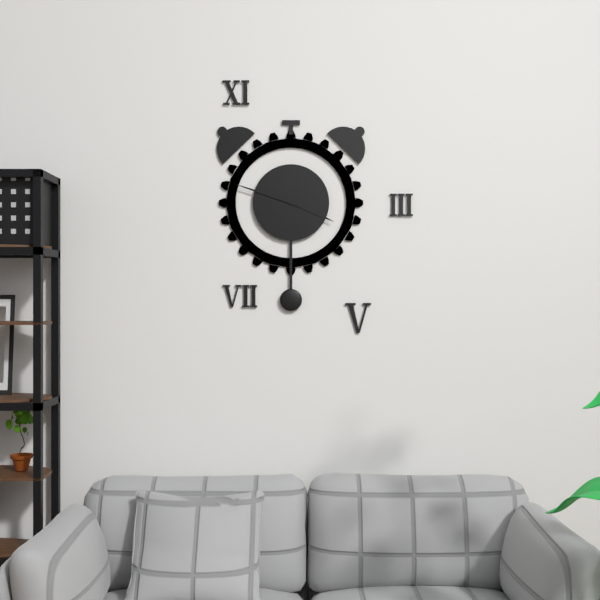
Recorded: 3:48
